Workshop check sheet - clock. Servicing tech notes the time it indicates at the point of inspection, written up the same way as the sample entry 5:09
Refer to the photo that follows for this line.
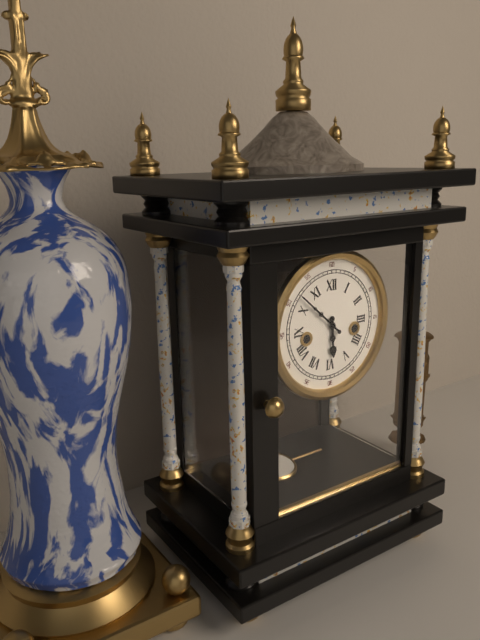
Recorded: 5:52
